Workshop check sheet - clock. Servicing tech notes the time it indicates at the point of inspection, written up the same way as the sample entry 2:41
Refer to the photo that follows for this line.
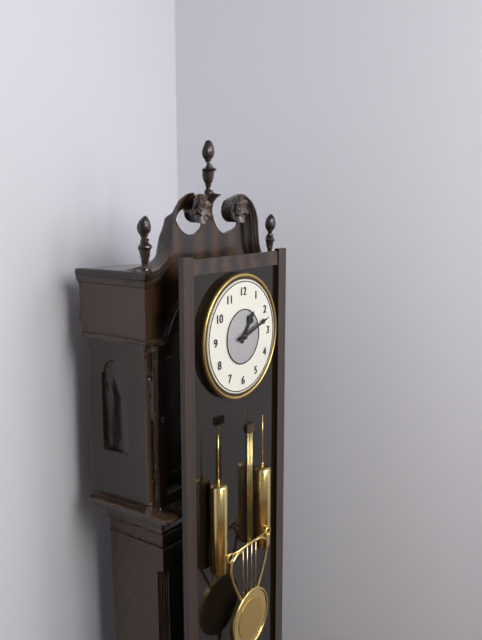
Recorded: 1:12
